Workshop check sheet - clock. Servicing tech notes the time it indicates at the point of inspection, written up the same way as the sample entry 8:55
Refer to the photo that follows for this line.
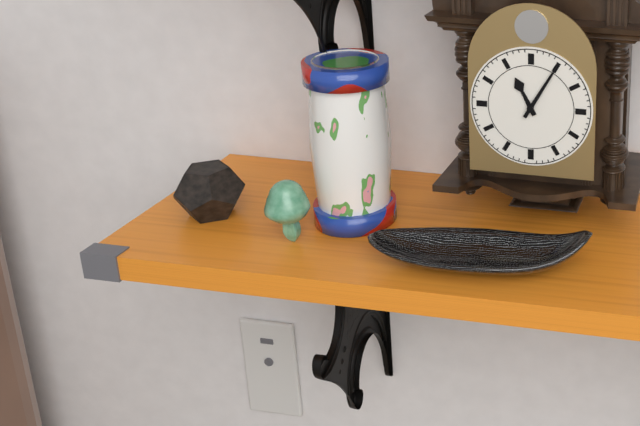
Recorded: 11:05
